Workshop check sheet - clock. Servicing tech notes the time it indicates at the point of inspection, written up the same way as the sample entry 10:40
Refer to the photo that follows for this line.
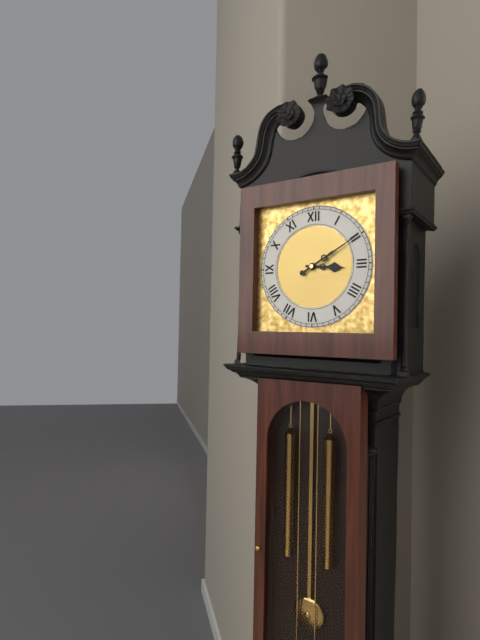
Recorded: 3:10
